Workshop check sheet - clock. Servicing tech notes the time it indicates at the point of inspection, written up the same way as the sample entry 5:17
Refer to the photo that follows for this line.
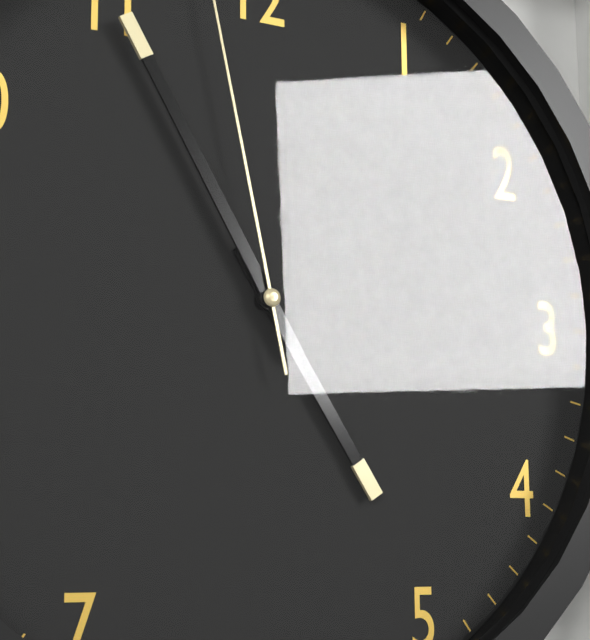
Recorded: 4:55
